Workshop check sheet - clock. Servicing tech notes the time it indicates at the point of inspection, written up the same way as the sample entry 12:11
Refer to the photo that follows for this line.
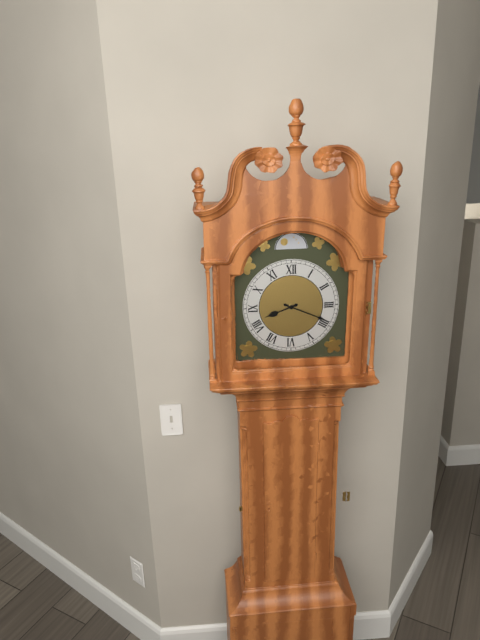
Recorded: 8:19
